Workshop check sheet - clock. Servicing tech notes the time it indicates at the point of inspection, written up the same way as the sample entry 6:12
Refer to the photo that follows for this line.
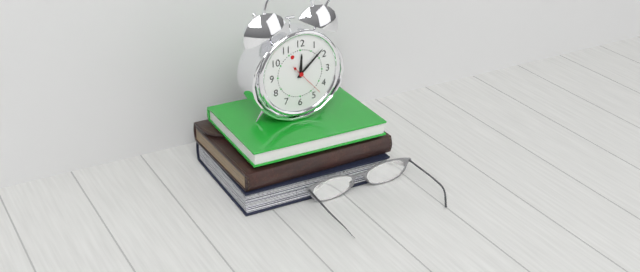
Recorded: 12:08
